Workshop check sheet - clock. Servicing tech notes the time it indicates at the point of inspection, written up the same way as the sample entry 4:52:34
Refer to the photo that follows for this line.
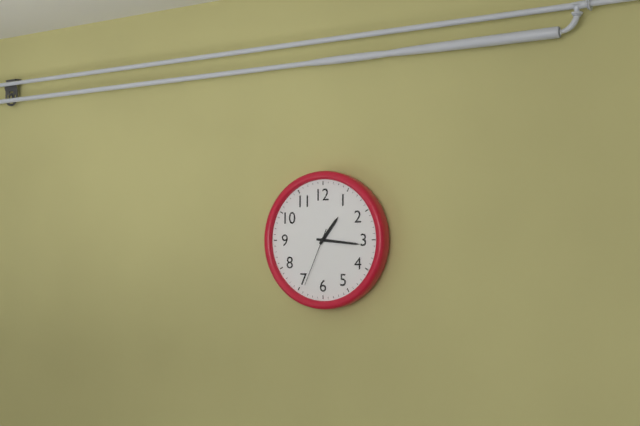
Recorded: 1:16:34
